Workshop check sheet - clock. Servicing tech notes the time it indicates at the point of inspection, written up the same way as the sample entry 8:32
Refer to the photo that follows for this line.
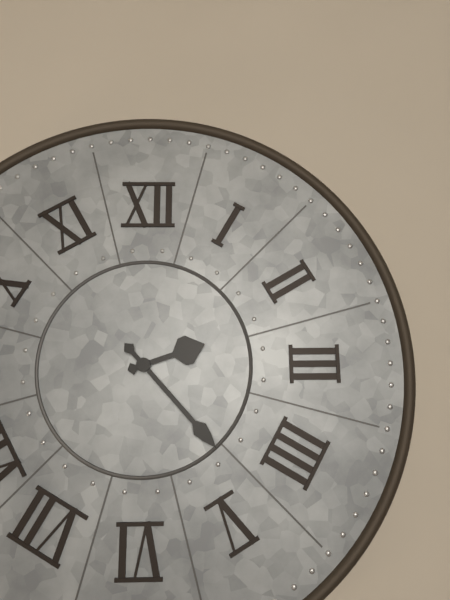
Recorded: 2:23
